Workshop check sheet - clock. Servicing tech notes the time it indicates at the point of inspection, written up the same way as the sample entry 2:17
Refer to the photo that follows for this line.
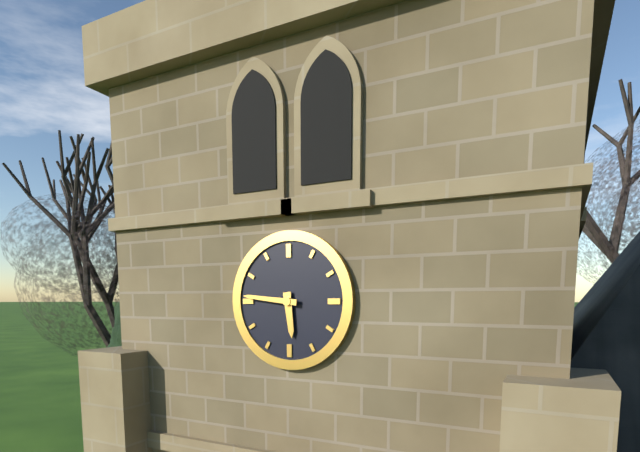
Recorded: 5:46
